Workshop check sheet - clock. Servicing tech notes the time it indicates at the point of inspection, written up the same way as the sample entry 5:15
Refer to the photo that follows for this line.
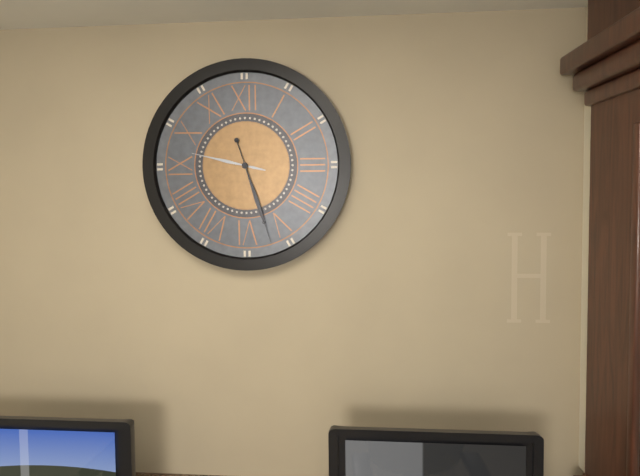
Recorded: 9:27
